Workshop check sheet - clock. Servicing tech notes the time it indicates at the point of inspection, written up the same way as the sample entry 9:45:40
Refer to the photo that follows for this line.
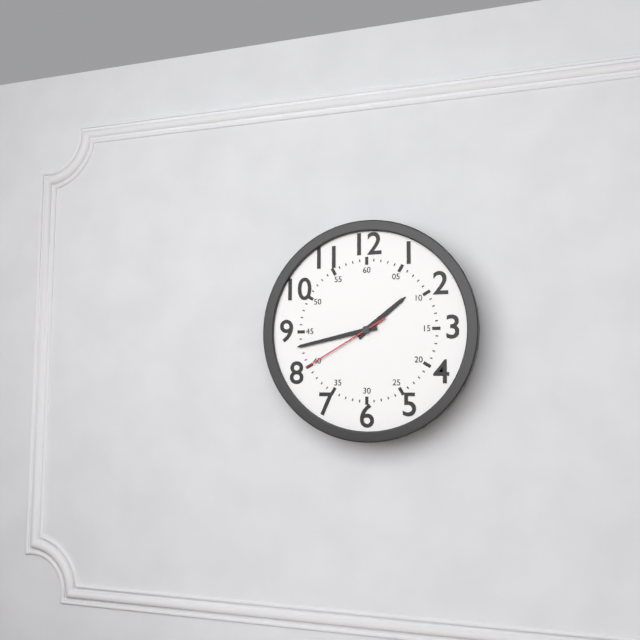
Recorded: 1:43:40
